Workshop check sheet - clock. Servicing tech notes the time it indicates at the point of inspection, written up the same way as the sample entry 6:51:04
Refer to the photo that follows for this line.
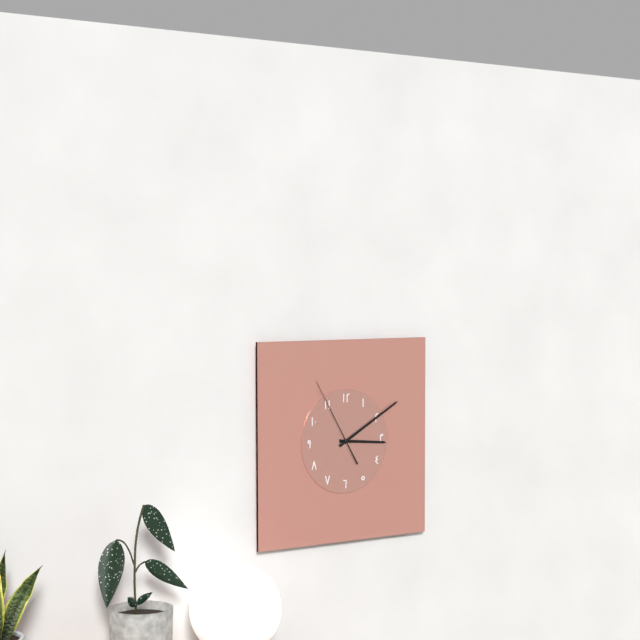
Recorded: 3:10:55
